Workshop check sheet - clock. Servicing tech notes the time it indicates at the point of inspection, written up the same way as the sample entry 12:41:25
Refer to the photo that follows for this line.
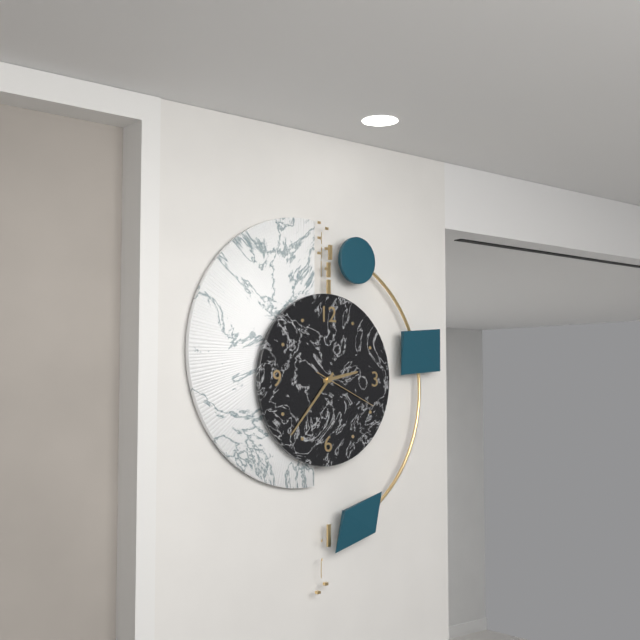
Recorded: 2:37:19
